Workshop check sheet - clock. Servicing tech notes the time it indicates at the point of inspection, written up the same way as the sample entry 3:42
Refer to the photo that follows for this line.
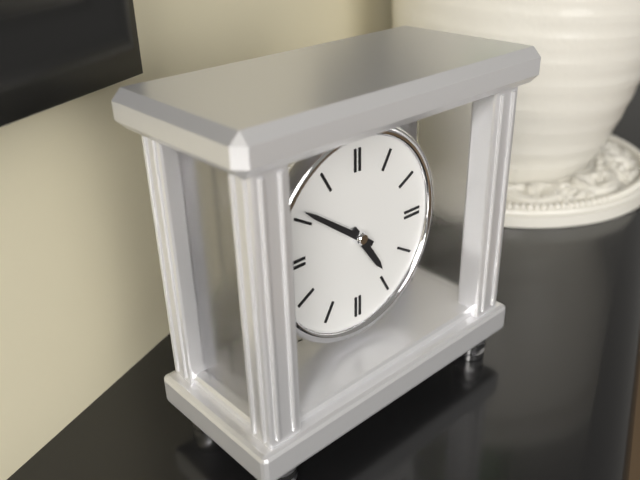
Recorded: 4:51
